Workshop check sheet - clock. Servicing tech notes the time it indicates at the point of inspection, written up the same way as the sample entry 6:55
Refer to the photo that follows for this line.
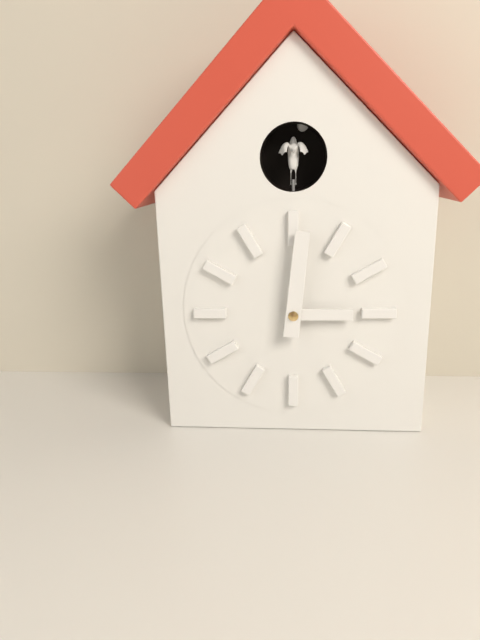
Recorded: 3:01
